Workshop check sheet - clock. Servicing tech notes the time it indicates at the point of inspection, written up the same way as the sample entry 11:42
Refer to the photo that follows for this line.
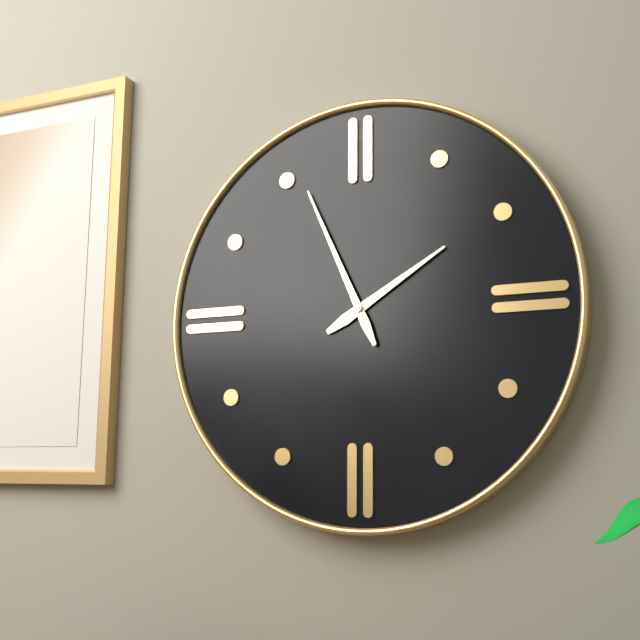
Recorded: 1:56
